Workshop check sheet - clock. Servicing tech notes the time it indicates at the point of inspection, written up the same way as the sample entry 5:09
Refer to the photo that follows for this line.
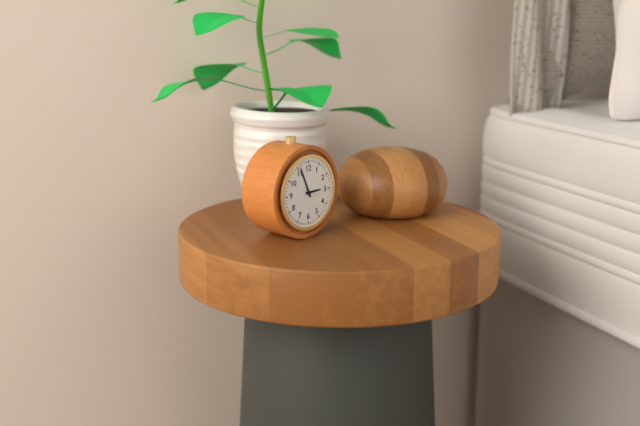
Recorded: 2:56
